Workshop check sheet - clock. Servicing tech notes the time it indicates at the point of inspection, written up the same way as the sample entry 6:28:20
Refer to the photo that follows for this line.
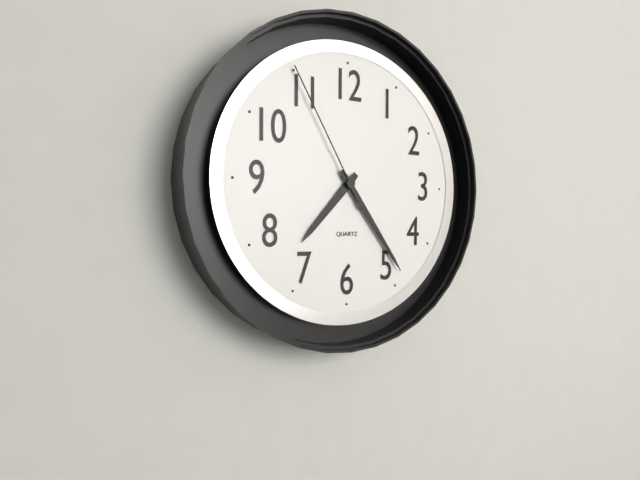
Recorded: 7:24:55
